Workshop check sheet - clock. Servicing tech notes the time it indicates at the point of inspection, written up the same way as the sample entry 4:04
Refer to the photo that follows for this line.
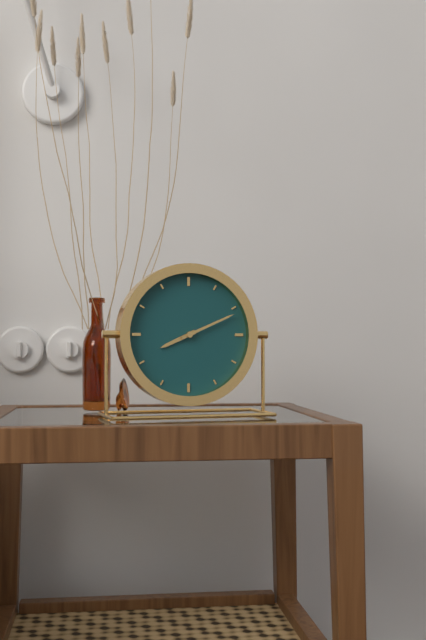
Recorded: 8:11
